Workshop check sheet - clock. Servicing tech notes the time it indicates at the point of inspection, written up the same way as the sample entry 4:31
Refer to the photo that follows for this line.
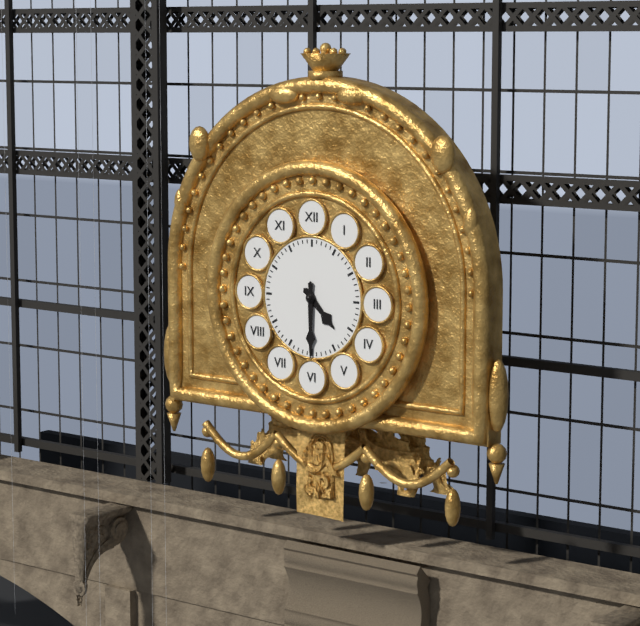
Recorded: 4:30
